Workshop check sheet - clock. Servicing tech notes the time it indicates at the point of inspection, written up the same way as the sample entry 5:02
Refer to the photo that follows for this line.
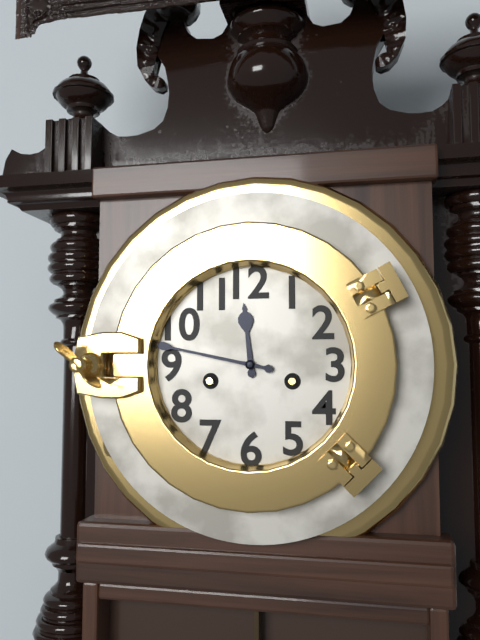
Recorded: 11:47
